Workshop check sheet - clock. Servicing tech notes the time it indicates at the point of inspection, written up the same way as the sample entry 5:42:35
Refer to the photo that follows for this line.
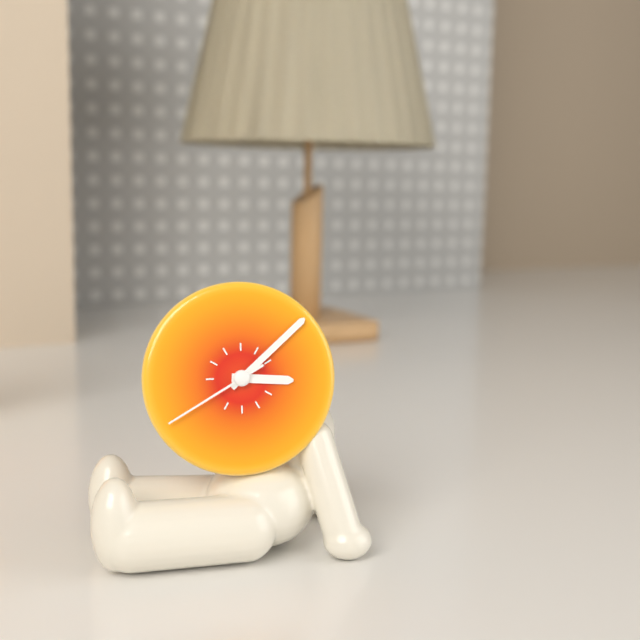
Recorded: 3:08:40
